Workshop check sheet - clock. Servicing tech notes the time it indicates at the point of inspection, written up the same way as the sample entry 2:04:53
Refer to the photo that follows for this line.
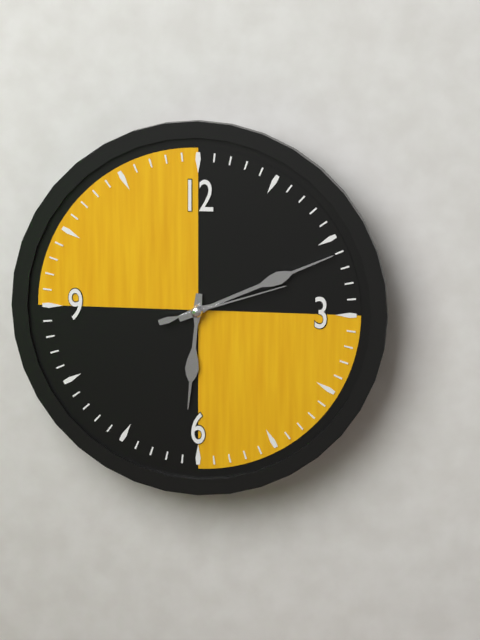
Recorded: 6:11:12
